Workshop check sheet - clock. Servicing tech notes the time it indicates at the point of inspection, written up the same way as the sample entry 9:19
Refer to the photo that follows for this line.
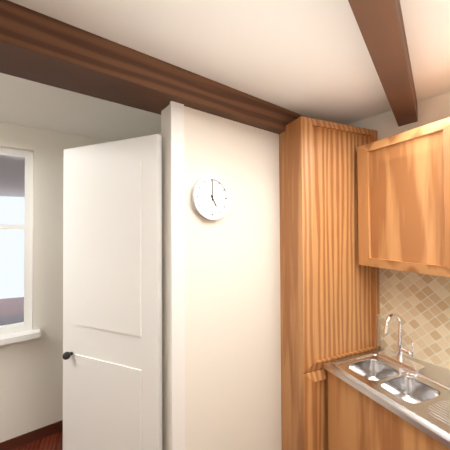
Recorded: 5:00
